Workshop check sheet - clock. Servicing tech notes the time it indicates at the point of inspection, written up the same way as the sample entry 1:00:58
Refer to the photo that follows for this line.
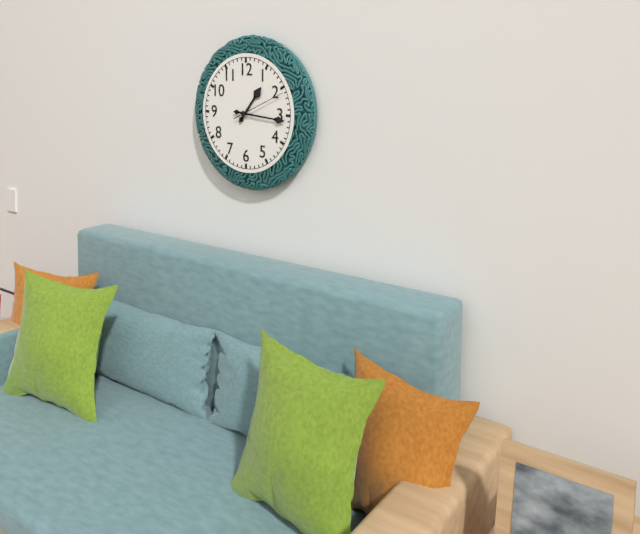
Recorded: 1:16:11
